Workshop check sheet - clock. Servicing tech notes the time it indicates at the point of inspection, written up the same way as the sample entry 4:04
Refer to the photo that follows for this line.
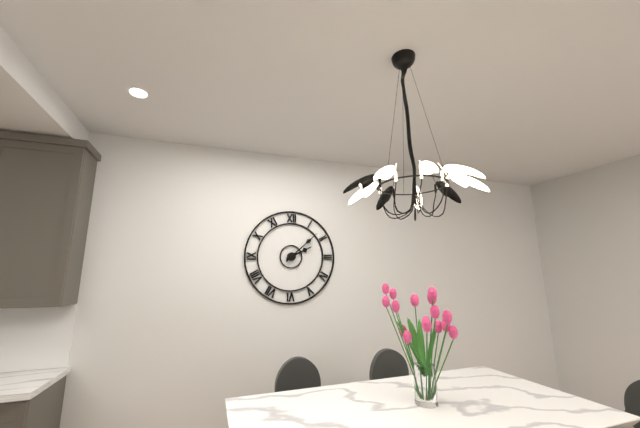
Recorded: 2:08
